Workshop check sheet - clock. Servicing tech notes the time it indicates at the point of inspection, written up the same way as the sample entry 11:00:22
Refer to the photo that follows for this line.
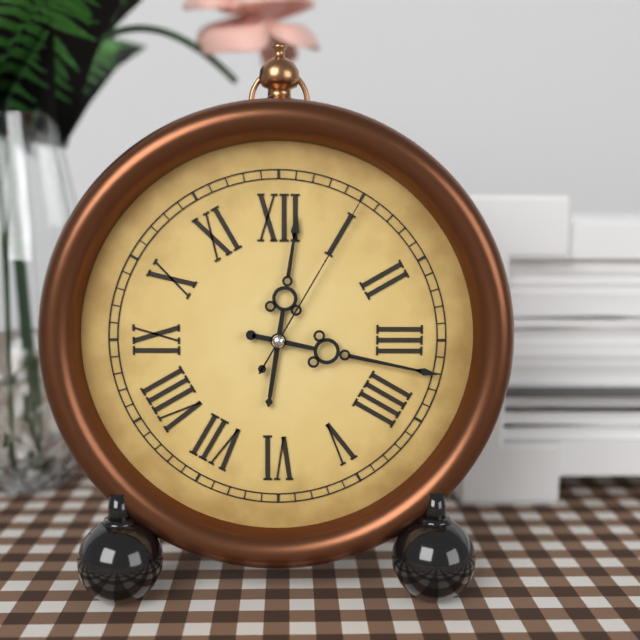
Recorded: 12:17:05
